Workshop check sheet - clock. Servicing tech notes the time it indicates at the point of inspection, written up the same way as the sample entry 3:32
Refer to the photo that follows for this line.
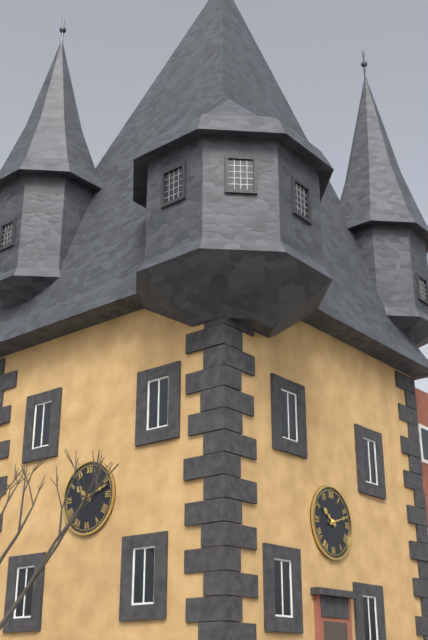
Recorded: 10:12
